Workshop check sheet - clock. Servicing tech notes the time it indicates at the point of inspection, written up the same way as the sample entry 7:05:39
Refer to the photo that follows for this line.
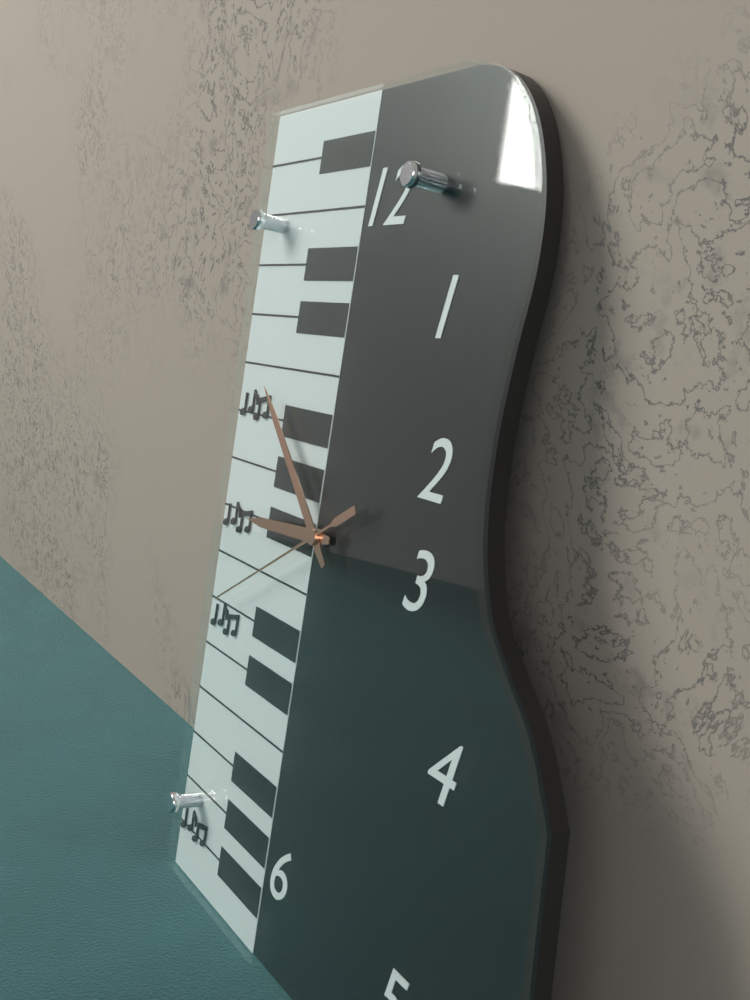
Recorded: 8:52:40
